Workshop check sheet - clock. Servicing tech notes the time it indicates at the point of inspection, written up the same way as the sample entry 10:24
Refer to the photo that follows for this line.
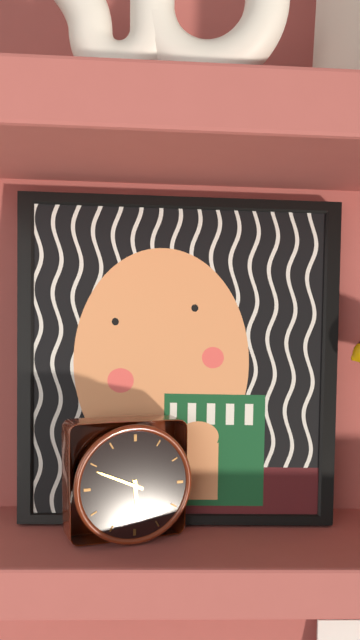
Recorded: 5:49
